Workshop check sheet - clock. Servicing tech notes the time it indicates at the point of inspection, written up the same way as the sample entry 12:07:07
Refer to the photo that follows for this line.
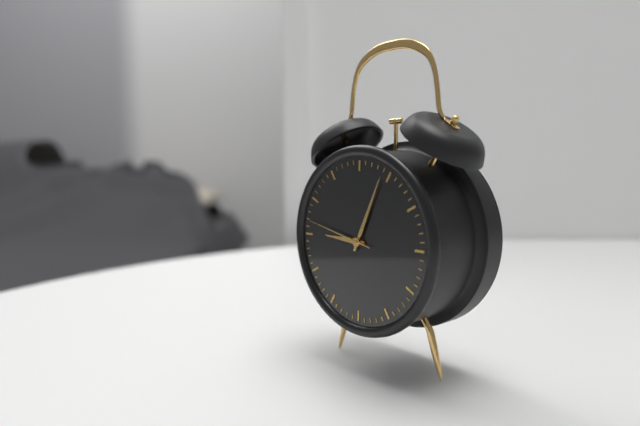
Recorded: 9:04:47
